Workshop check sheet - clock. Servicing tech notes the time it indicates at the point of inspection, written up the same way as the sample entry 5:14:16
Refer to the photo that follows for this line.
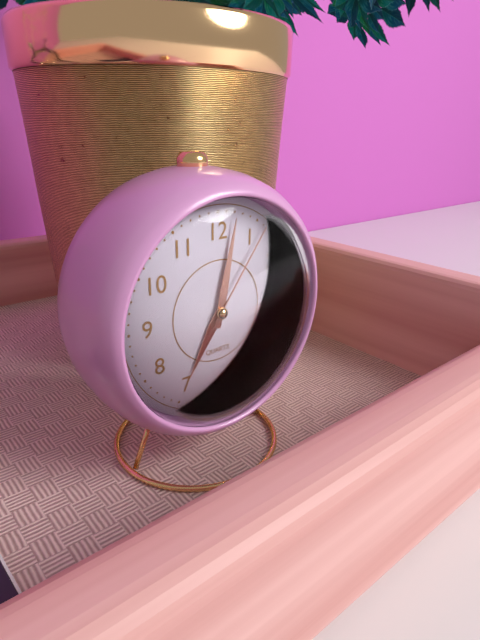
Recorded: 7:02:06
